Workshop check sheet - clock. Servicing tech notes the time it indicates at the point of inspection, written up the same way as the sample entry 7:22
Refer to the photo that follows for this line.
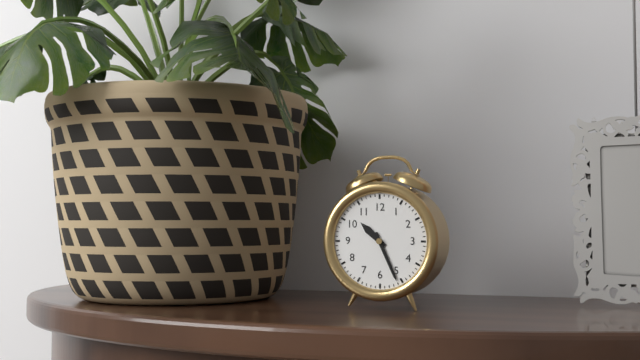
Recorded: 10:26
